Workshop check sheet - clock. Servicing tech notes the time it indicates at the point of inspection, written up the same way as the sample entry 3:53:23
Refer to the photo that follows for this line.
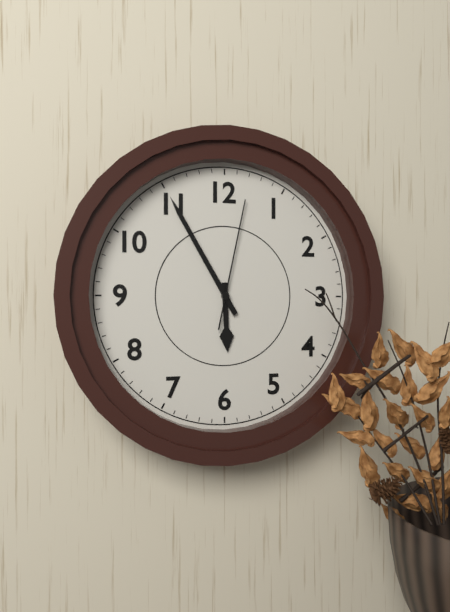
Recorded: 5:55:02
